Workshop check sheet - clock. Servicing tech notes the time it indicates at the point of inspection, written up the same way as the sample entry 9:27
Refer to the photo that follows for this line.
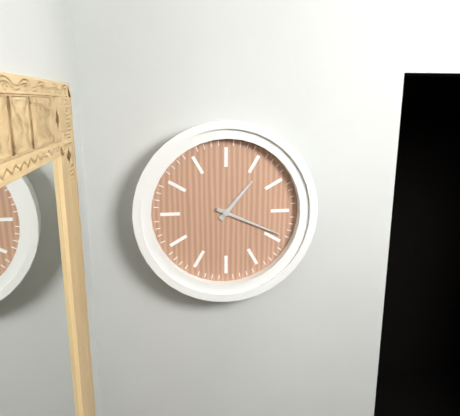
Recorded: 1:19
